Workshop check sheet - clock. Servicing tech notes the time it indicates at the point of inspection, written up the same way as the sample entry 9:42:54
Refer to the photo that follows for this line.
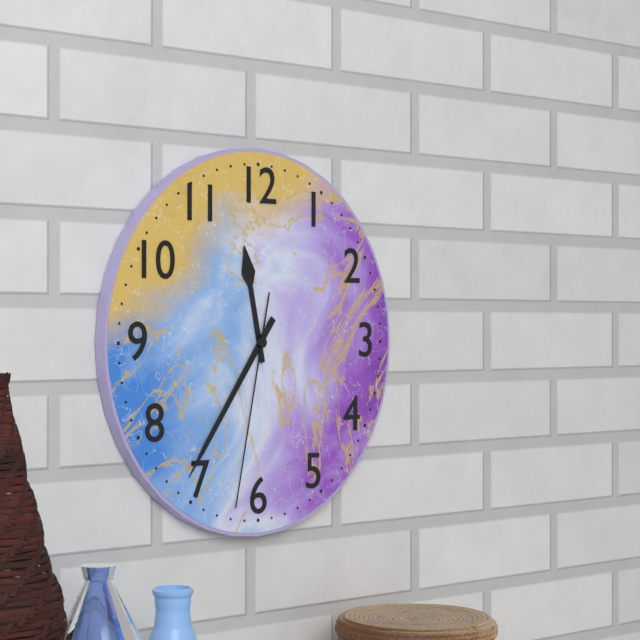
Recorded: 11:36:32
